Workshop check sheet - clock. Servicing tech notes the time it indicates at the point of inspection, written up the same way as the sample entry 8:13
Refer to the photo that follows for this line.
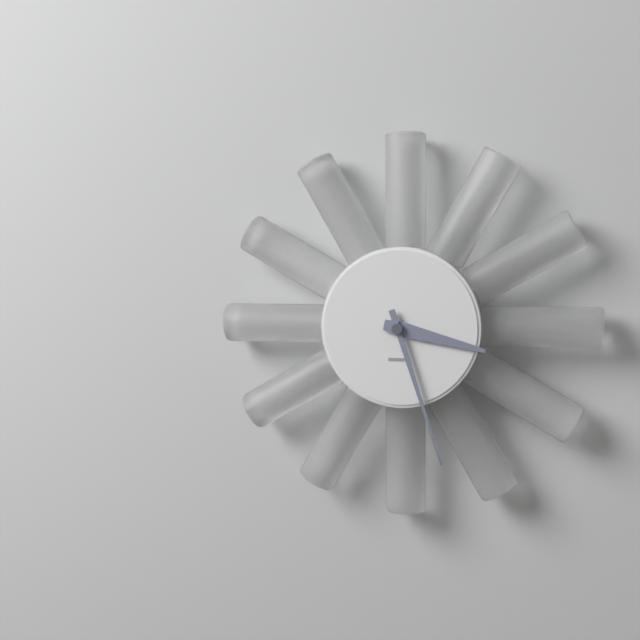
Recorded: 3:27
